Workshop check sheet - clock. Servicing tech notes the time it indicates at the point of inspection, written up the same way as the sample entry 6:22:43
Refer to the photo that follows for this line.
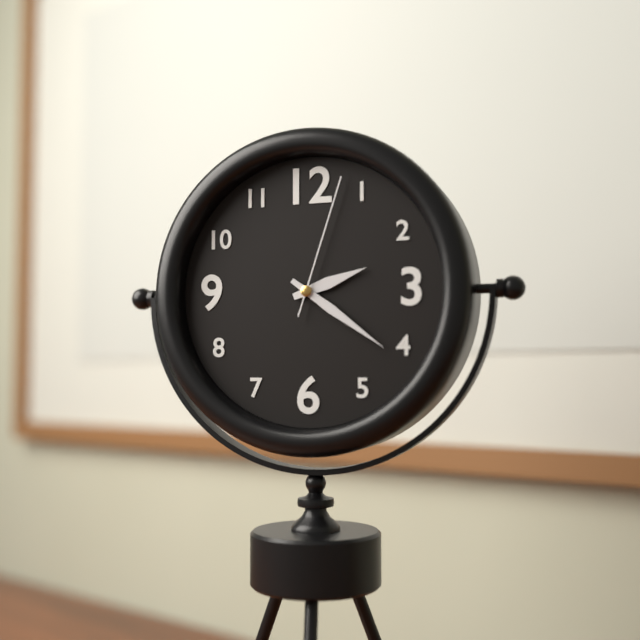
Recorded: 2:21:03
